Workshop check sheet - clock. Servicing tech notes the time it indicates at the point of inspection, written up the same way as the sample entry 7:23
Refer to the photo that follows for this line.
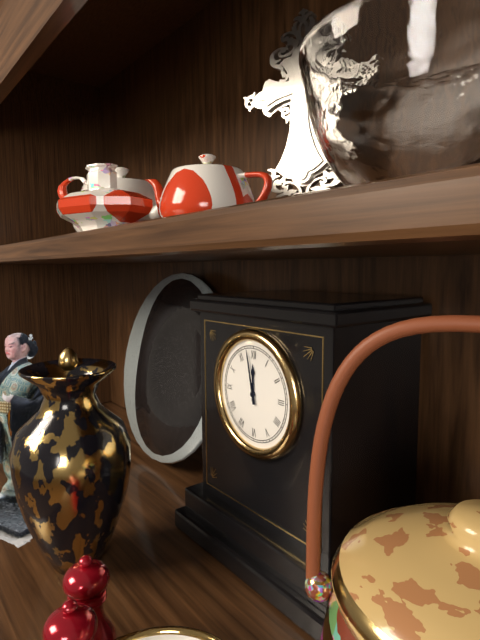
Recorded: 11:58
